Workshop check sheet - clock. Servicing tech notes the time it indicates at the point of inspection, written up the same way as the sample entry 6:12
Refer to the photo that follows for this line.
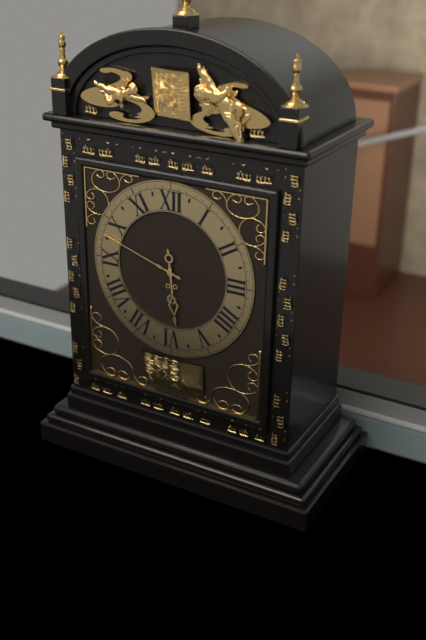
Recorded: 5:48
